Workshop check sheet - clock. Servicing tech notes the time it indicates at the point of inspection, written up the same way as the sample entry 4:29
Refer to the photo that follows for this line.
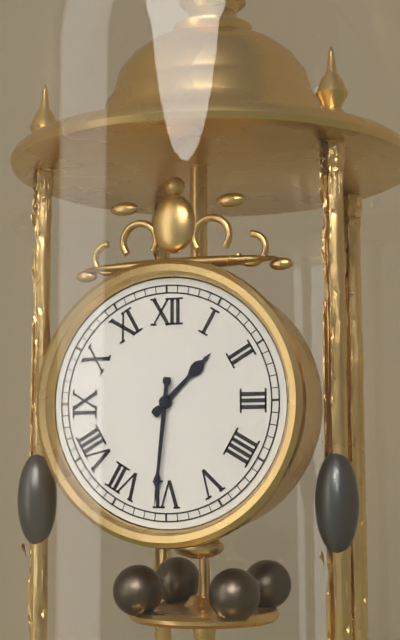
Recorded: 1:31
